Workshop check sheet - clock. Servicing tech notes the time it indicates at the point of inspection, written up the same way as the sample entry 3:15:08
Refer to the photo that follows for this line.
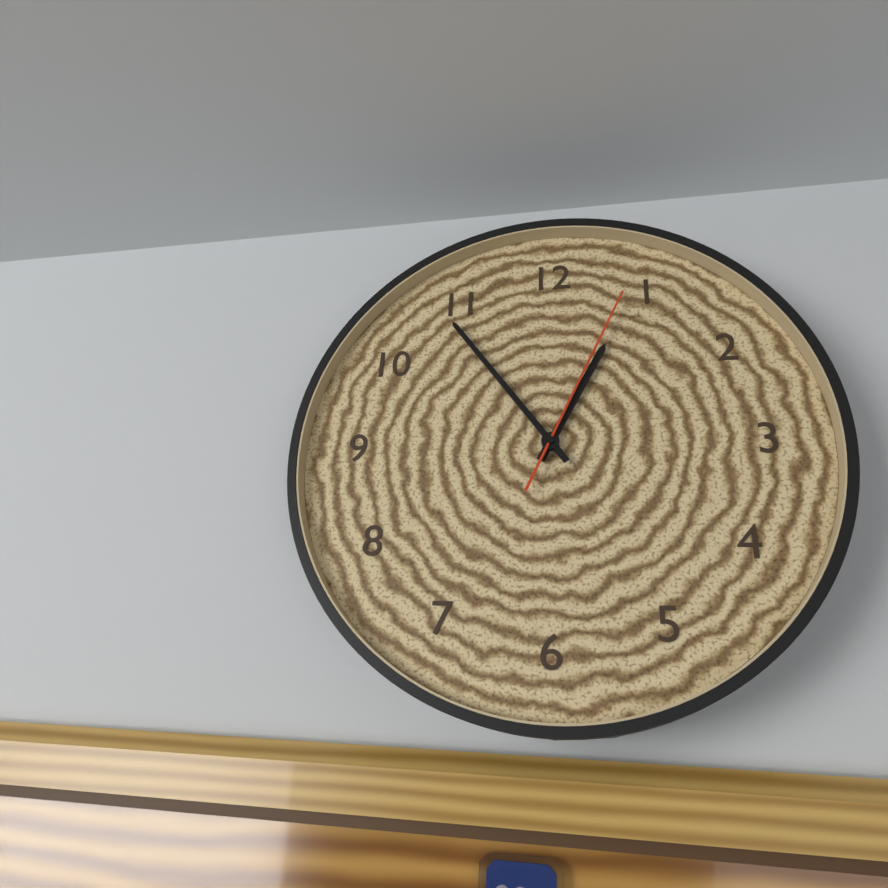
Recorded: 12:54:04
